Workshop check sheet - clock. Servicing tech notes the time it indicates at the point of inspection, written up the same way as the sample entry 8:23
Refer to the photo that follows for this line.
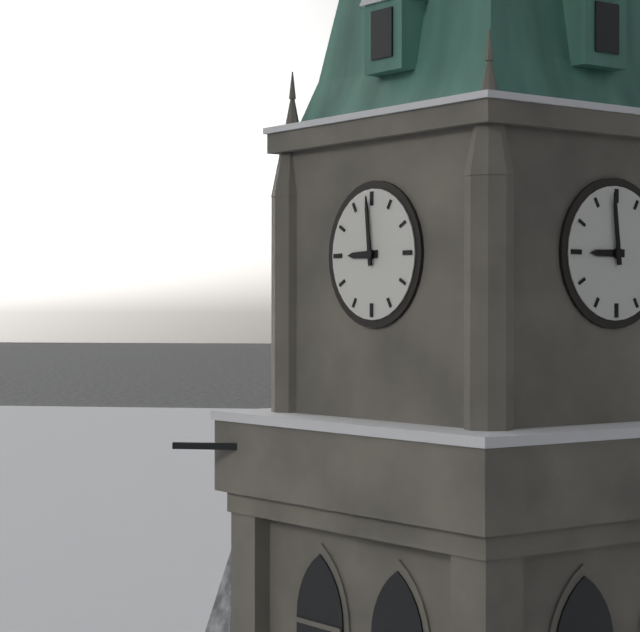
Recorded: 8:59
